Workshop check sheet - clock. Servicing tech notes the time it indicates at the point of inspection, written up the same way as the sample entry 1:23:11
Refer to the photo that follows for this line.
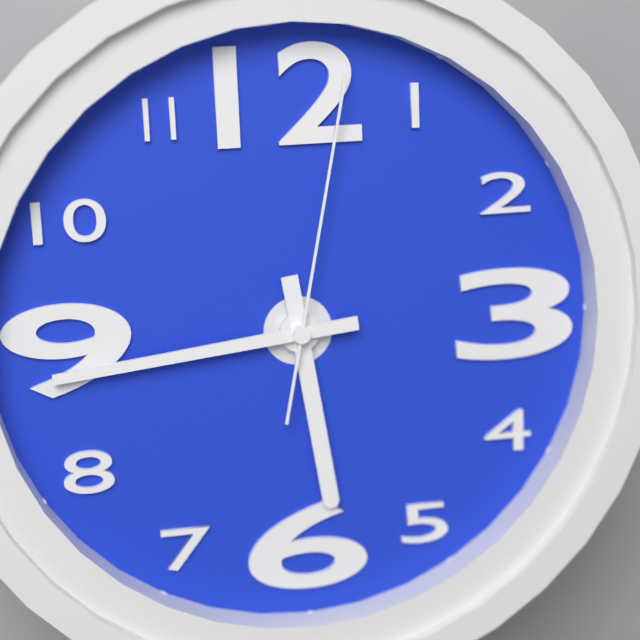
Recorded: 5:44:02
